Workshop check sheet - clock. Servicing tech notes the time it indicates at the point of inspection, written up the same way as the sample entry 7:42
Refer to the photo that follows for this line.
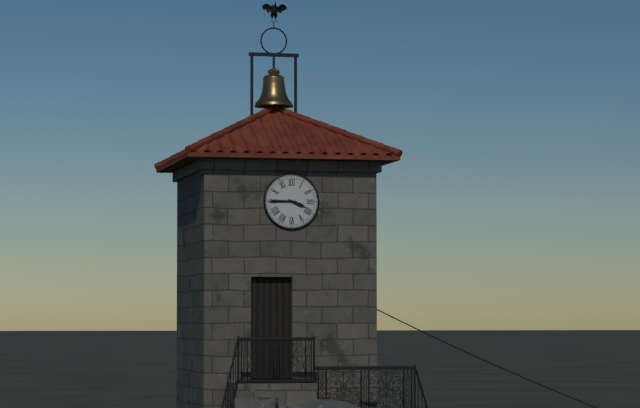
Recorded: 3:45
